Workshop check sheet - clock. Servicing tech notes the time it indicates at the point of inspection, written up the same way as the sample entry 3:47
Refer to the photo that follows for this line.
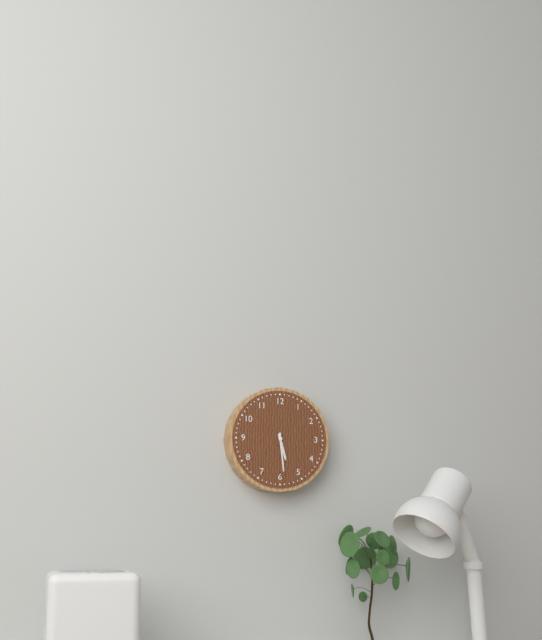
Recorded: 5:29
